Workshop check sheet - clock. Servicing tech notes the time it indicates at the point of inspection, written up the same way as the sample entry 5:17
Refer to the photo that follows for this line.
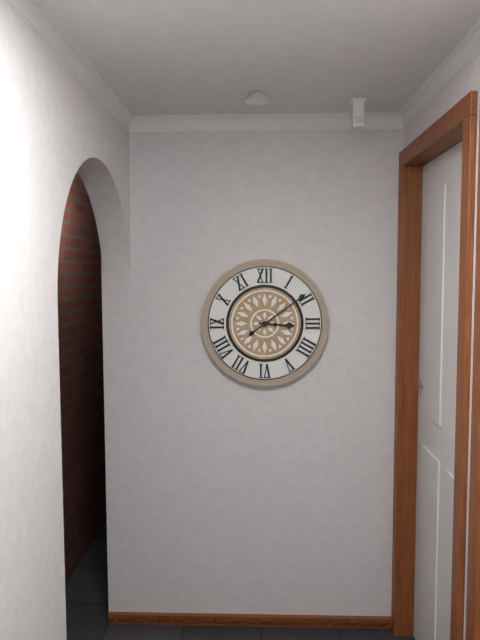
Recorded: 3:09
